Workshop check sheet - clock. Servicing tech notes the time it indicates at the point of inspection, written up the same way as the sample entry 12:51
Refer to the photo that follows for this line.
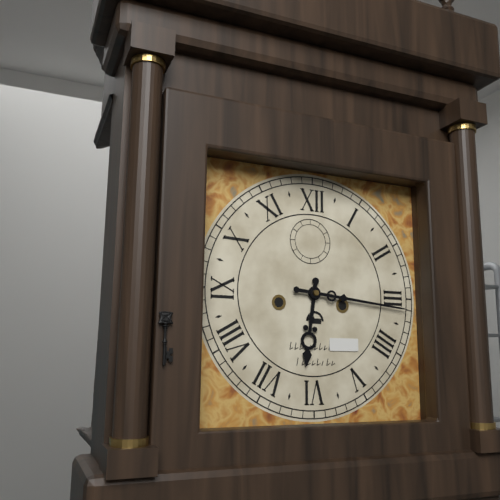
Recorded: 6:16
